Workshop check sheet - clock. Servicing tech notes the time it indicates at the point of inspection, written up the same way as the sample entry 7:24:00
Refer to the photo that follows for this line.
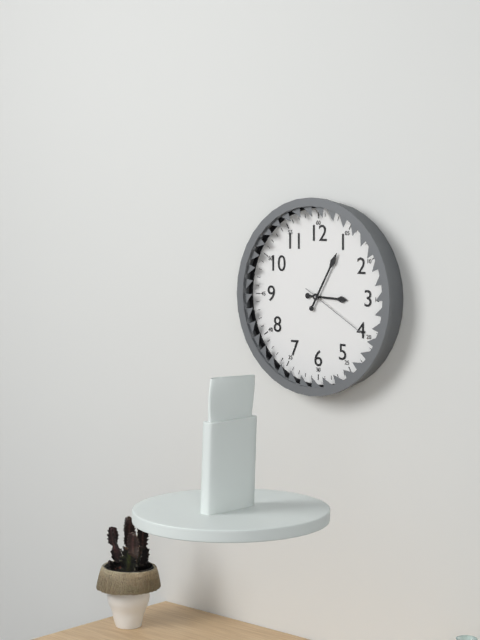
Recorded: 3:05:20
